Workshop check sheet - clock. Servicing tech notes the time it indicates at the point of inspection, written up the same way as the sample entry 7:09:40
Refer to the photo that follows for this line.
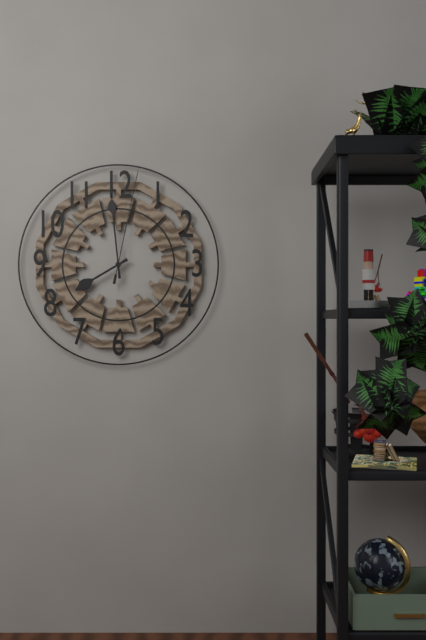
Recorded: 7:59:02
